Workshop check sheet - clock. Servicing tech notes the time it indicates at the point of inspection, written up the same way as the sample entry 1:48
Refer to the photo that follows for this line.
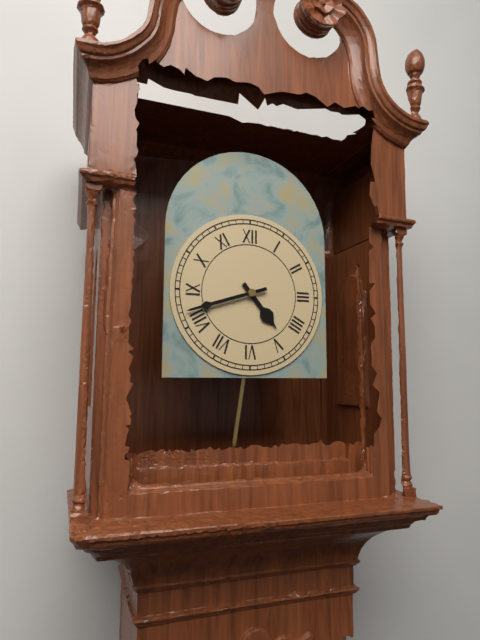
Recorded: 4:42
